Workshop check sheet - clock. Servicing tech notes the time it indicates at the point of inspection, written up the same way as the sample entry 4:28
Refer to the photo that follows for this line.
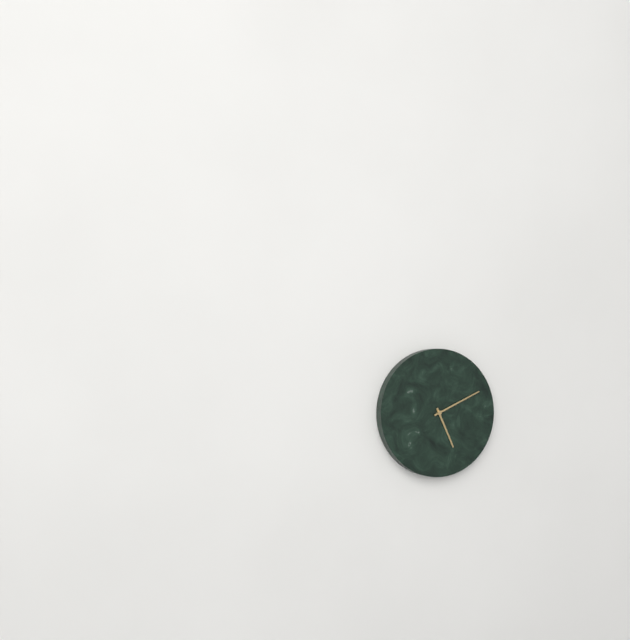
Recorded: 5:11
